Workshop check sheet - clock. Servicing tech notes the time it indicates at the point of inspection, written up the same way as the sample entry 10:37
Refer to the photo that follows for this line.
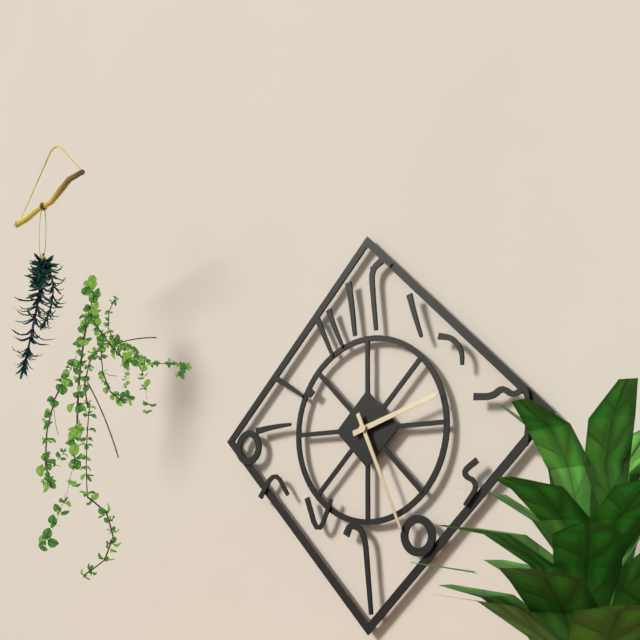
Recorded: 2:26
